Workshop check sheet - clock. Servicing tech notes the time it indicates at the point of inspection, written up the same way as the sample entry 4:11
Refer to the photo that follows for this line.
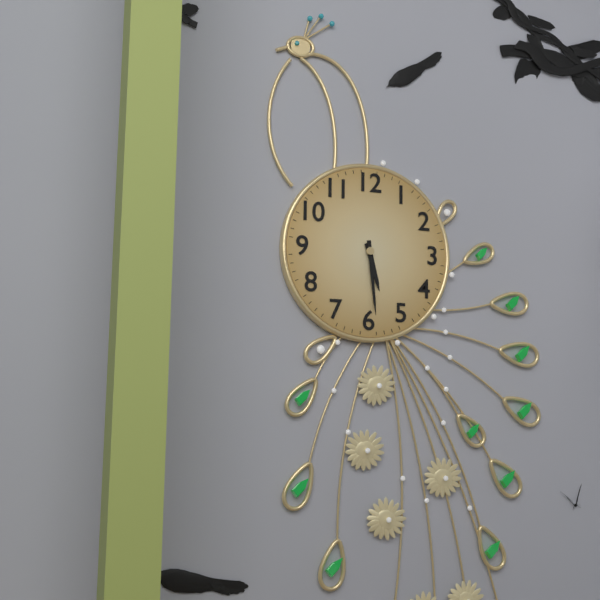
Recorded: 5:29
